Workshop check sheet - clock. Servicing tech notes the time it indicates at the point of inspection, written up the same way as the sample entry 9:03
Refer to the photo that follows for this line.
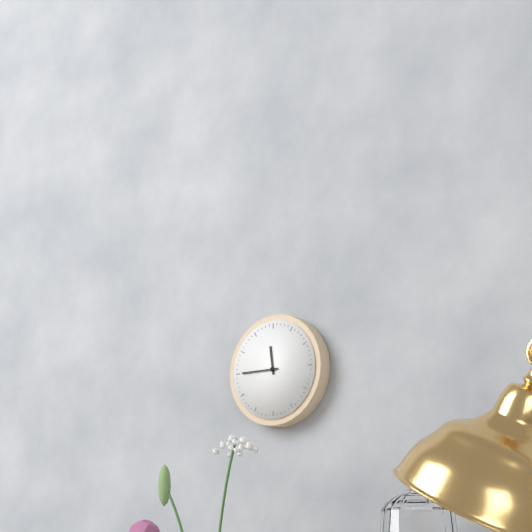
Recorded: 11:45
